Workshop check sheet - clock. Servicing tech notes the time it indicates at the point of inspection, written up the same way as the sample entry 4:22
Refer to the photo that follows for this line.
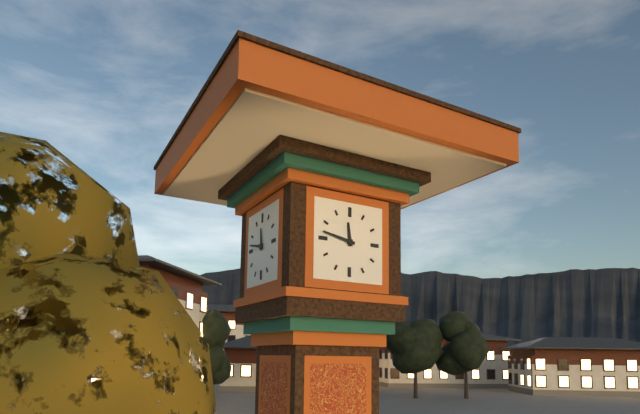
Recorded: 11:47
